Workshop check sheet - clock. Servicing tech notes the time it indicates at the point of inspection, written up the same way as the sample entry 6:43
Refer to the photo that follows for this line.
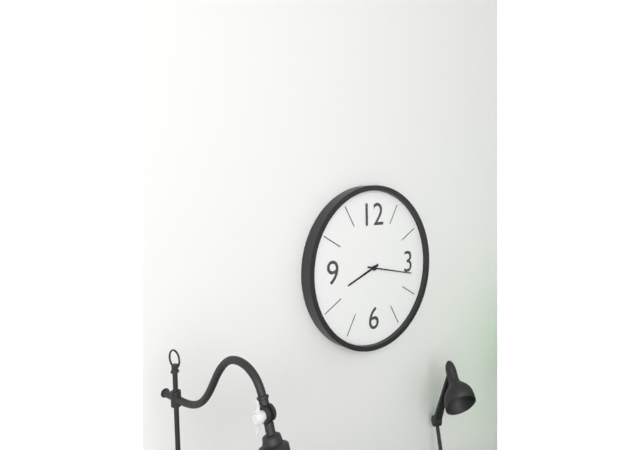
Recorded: 8:17
